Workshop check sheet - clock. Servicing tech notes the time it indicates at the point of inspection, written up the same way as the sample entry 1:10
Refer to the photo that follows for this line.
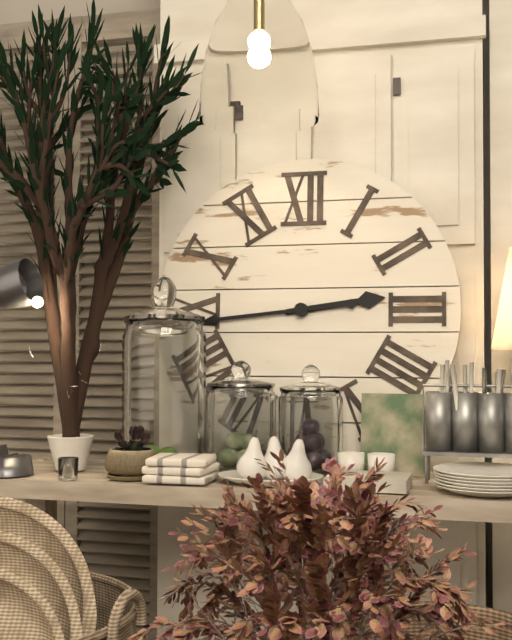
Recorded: 2:44
